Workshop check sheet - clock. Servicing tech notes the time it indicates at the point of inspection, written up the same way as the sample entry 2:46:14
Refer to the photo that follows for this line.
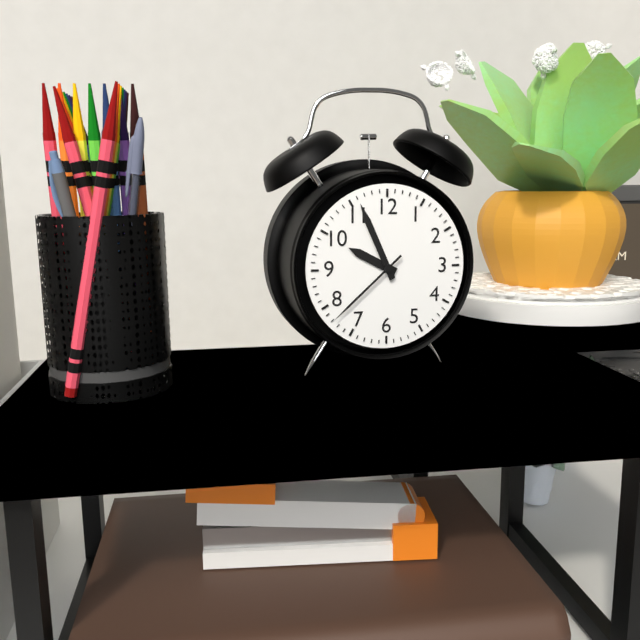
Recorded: 9:56:38
